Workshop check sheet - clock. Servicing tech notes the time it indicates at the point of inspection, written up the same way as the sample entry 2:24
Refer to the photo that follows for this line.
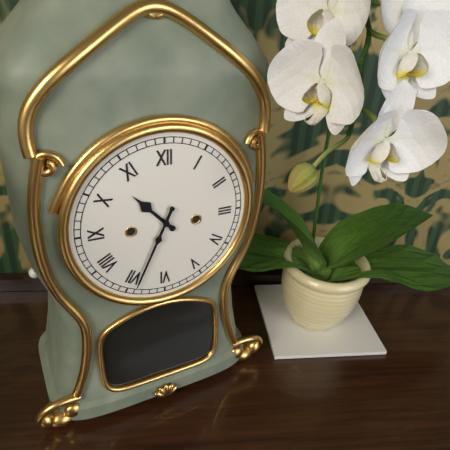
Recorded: 10:34
